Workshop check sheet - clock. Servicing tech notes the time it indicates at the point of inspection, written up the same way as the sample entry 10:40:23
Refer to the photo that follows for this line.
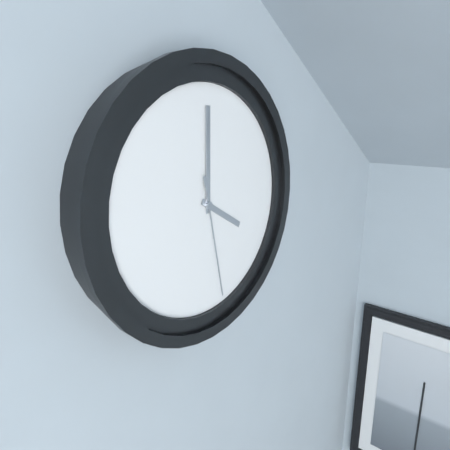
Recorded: 4:00:28
